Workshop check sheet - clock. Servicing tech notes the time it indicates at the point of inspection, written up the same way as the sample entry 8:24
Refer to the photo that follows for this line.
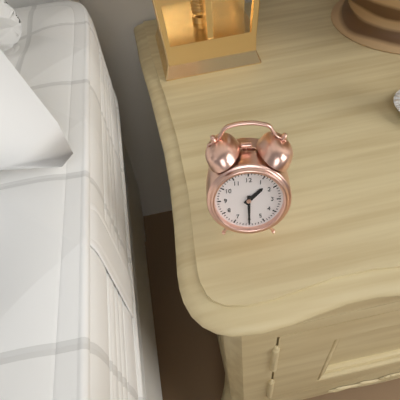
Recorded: 1:30
